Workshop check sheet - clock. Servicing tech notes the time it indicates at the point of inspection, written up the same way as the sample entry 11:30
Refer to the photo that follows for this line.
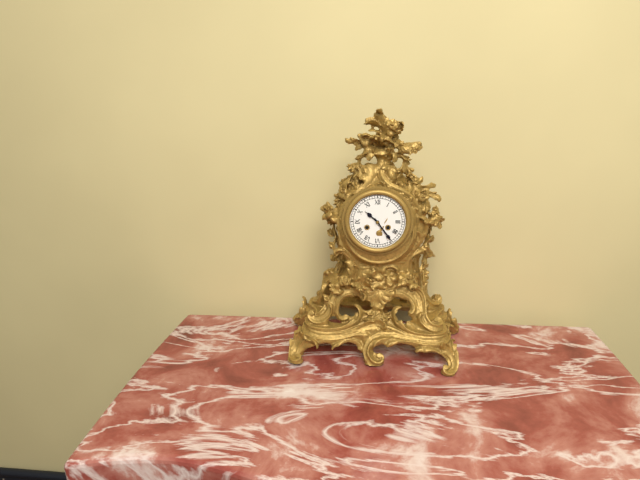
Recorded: 10:24
